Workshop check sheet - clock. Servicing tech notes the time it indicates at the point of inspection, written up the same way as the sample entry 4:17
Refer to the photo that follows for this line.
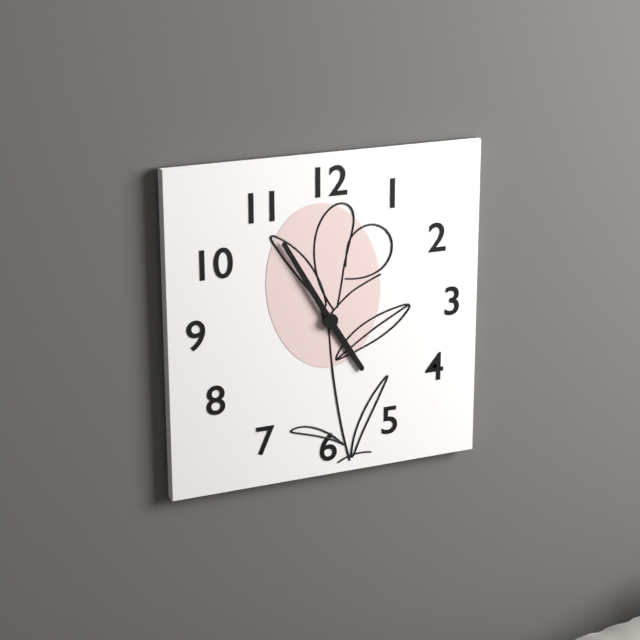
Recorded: 4:55
